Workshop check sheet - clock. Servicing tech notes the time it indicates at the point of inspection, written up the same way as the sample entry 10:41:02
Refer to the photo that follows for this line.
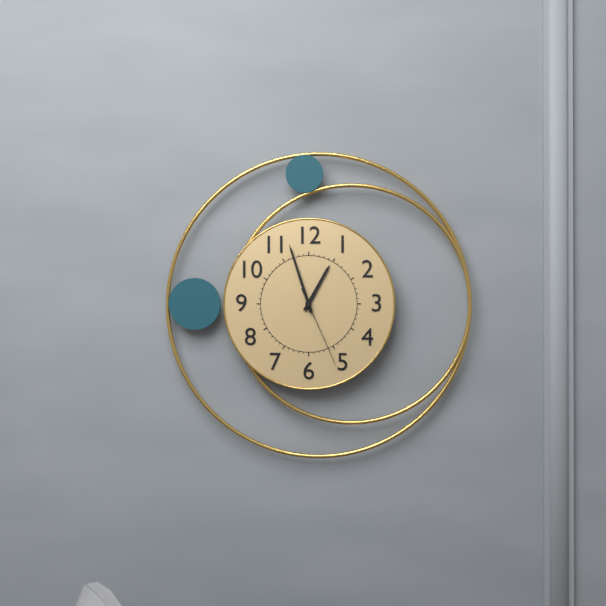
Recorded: 12:57:26
